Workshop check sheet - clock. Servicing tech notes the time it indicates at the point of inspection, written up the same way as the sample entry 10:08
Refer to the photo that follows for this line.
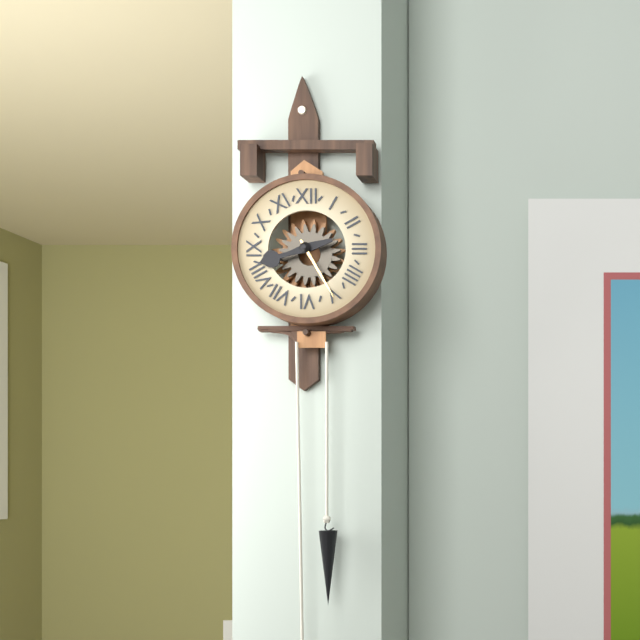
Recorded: 8:25
